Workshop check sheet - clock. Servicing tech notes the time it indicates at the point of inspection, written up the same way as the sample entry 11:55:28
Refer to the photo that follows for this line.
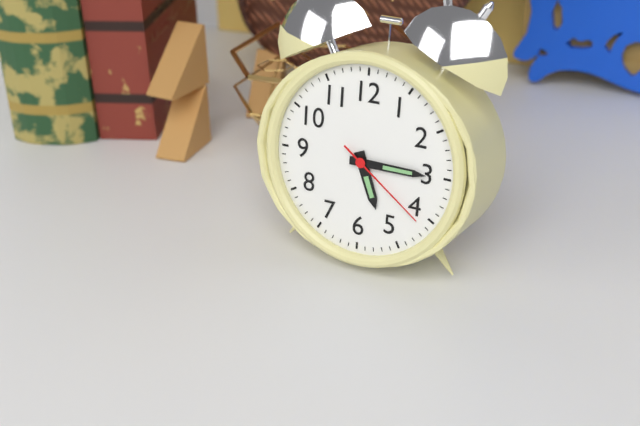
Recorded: 5:15:21
